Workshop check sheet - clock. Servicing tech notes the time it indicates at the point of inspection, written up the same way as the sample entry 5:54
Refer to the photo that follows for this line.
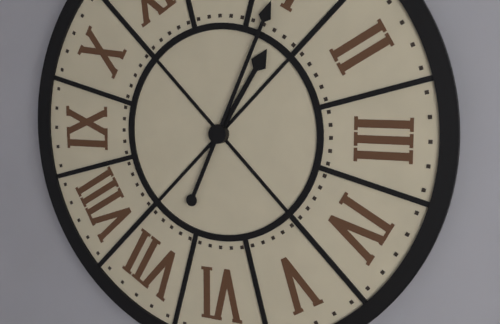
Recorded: 1:04
